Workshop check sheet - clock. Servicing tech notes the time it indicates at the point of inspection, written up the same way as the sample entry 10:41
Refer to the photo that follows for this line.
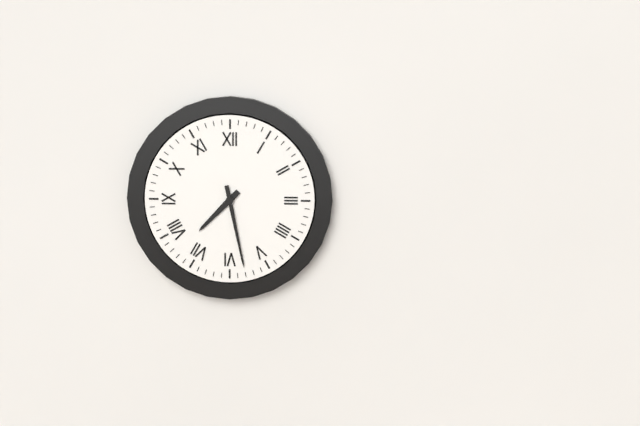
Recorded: 7:28
